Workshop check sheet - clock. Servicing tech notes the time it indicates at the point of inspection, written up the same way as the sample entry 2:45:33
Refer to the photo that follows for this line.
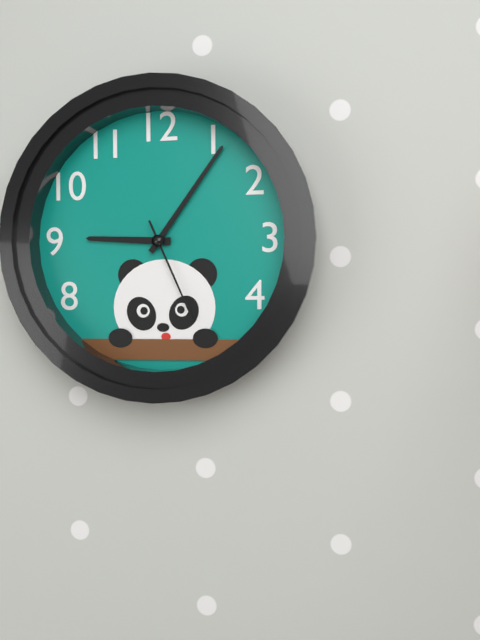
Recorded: 9:06:26
